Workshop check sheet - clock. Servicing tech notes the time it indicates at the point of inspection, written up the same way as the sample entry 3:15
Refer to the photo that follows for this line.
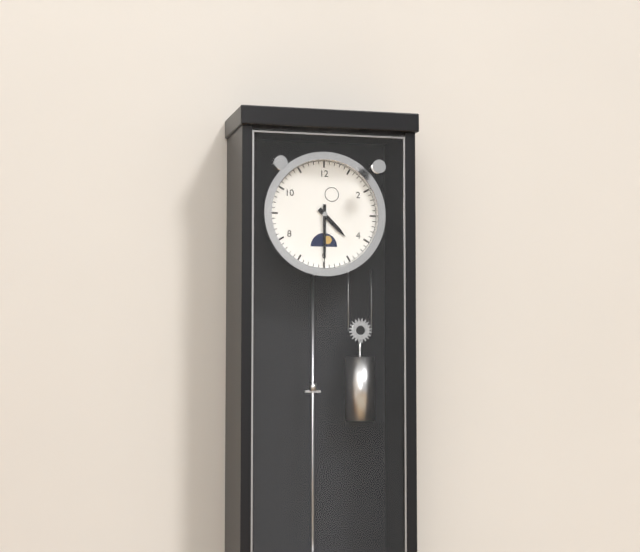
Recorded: 4:30
